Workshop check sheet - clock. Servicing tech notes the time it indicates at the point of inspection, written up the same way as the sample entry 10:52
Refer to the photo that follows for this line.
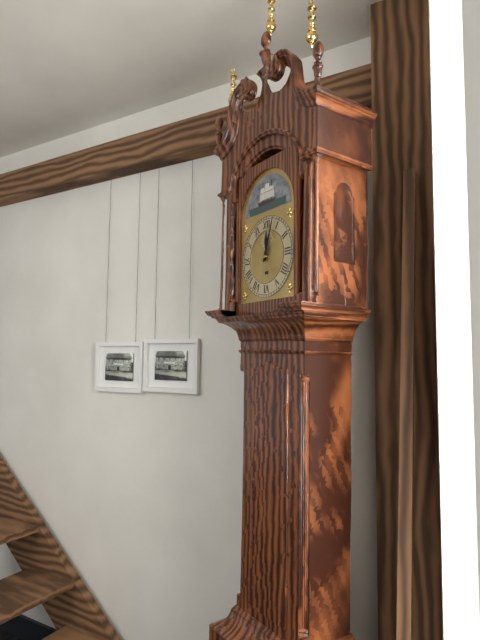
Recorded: 12:03
